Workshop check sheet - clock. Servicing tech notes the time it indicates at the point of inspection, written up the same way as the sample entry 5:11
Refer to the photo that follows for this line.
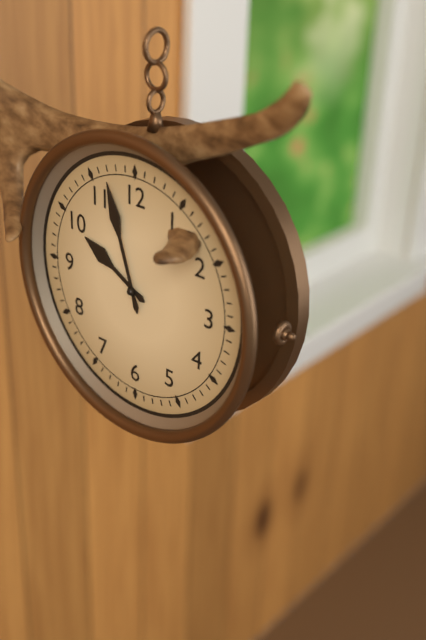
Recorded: 9:57
